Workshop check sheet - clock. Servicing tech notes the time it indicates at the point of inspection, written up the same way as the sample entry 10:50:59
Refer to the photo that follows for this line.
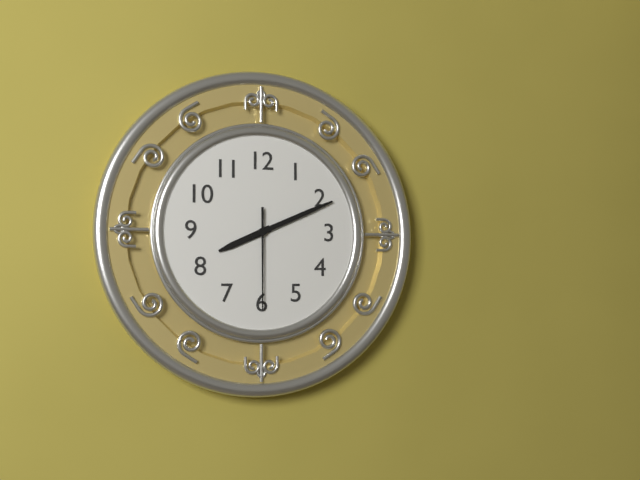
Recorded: 8:11:30
